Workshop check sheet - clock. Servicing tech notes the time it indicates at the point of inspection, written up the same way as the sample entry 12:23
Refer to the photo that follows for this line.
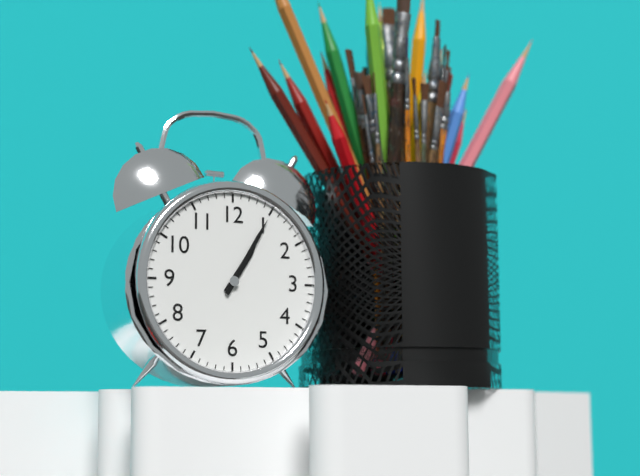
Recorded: 1:05
